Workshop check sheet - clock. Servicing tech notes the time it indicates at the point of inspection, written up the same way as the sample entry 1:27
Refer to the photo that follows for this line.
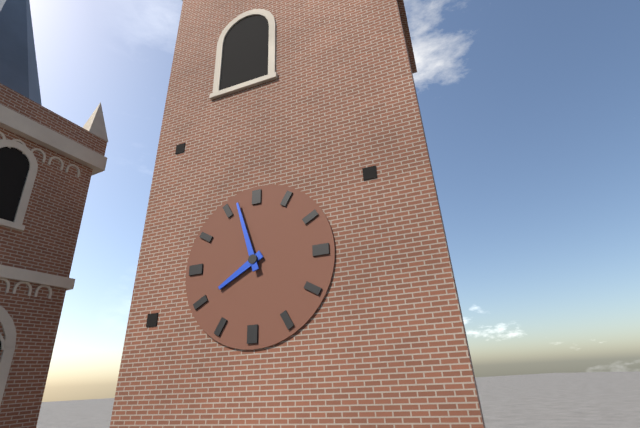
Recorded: 7:57
